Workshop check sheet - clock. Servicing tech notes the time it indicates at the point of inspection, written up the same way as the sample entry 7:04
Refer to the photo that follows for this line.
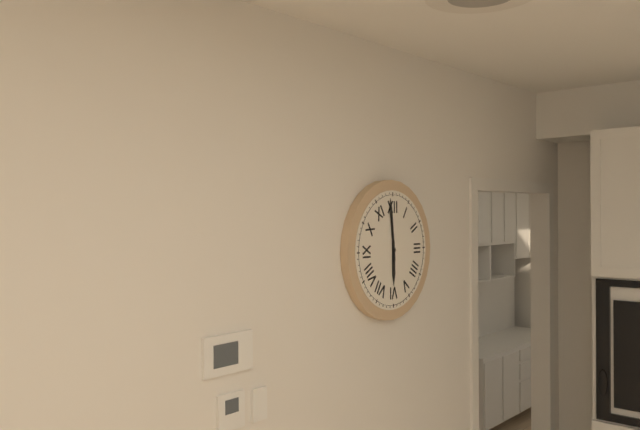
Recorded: 5:59
